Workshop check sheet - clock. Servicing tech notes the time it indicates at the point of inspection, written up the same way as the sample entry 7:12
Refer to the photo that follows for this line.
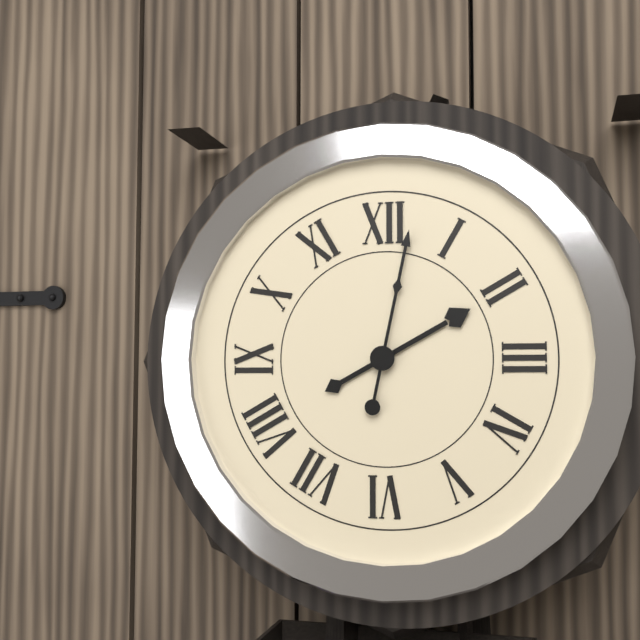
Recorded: 2:02
